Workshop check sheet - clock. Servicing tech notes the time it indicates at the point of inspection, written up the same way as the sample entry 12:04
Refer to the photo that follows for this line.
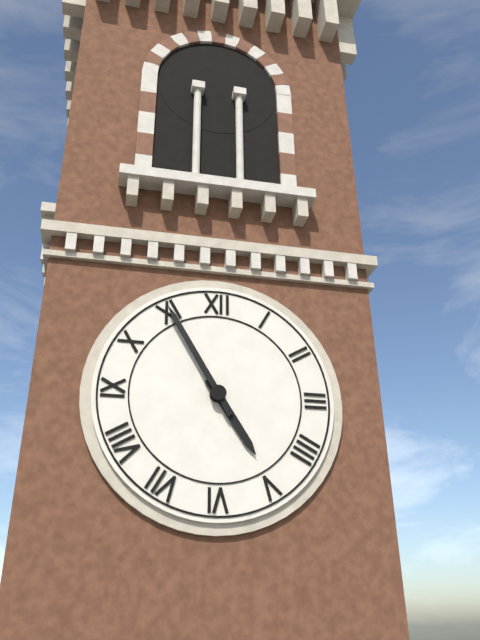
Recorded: 4:55
